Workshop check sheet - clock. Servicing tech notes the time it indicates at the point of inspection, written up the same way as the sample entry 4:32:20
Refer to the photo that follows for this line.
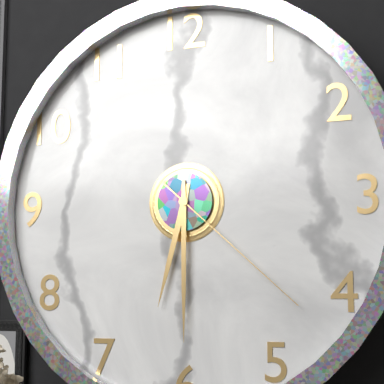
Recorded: 6:30:22
